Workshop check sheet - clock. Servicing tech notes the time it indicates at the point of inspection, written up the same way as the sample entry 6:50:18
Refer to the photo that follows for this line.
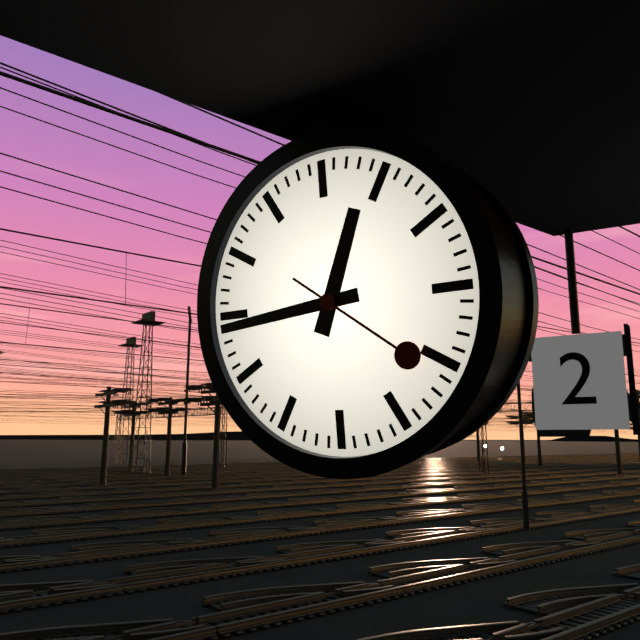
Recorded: 12:44:21
